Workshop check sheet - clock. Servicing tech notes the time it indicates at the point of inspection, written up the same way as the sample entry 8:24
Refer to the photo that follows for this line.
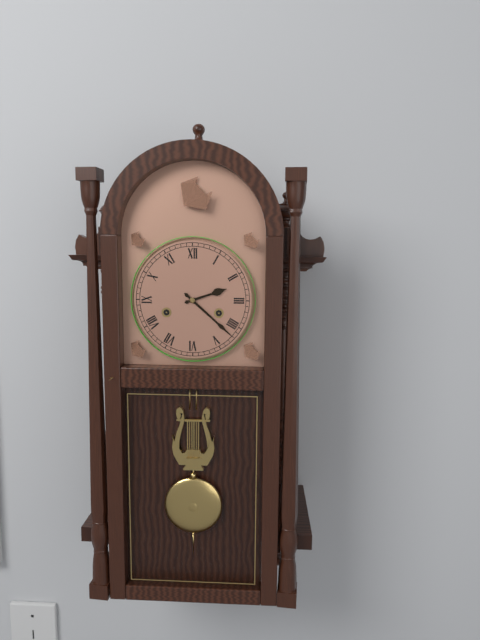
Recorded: 2:22
